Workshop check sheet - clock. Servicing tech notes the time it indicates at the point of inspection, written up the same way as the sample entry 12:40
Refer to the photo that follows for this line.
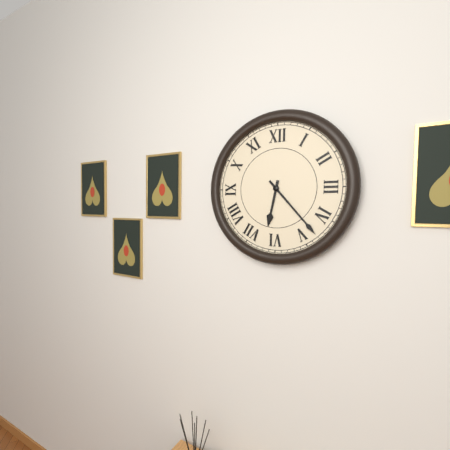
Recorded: 6:23
